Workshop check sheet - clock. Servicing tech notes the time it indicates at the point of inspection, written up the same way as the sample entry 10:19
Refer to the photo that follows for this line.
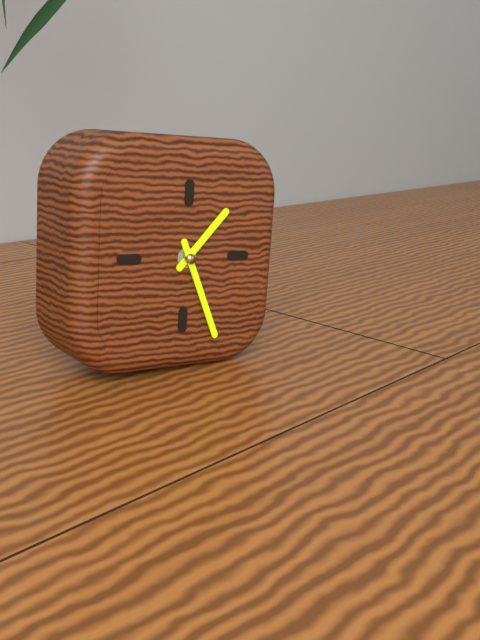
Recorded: 1:26
